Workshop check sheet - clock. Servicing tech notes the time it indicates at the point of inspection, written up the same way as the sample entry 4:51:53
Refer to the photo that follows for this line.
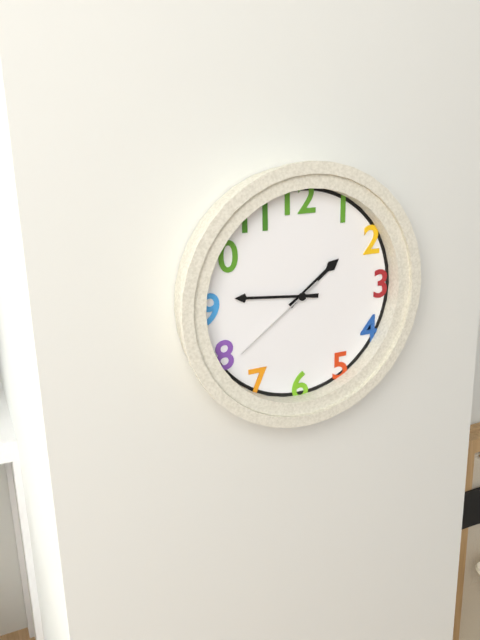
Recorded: 1:46:39
